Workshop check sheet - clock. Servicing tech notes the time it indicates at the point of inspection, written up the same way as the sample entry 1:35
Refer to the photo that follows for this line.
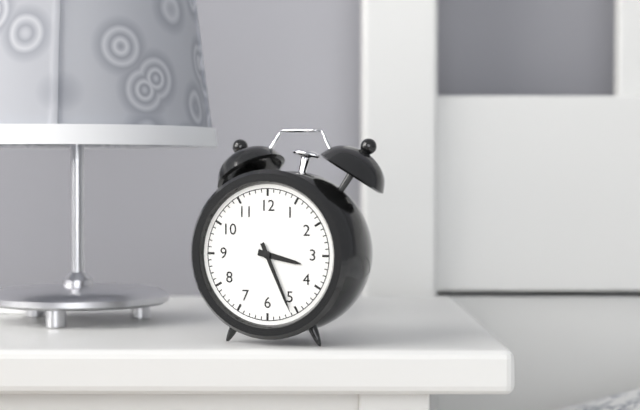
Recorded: 3:26
